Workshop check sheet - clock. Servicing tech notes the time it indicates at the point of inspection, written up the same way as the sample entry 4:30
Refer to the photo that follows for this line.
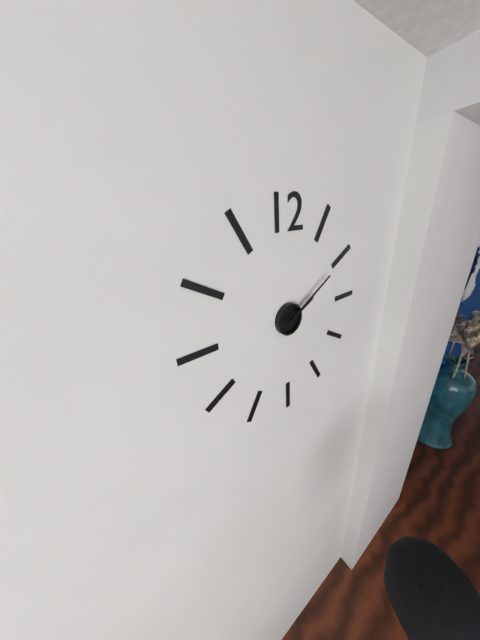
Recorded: 2:10
